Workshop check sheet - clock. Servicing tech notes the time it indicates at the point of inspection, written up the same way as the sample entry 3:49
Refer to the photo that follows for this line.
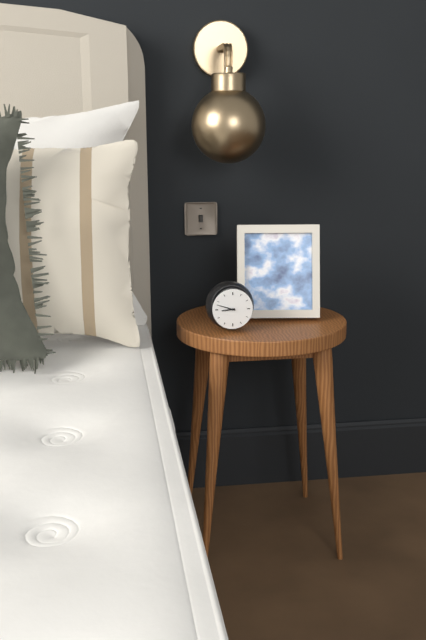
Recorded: 8:48
